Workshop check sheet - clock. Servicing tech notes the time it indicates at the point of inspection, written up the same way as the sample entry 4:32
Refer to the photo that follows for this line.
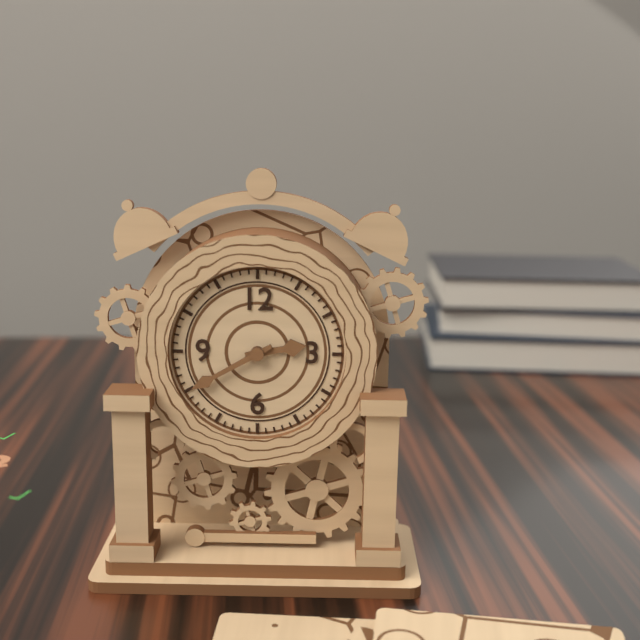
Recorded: 2:40
